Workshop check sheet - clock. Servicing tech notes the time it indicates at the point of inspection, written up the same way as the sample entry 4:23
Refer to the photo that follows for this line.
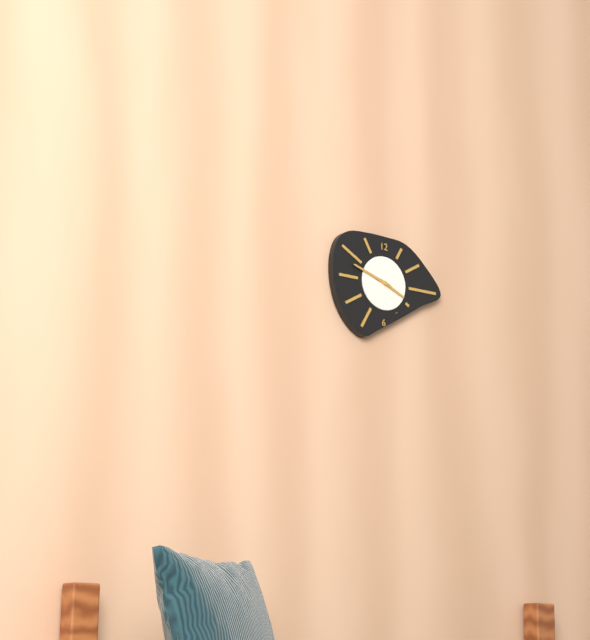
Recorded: 3:48
